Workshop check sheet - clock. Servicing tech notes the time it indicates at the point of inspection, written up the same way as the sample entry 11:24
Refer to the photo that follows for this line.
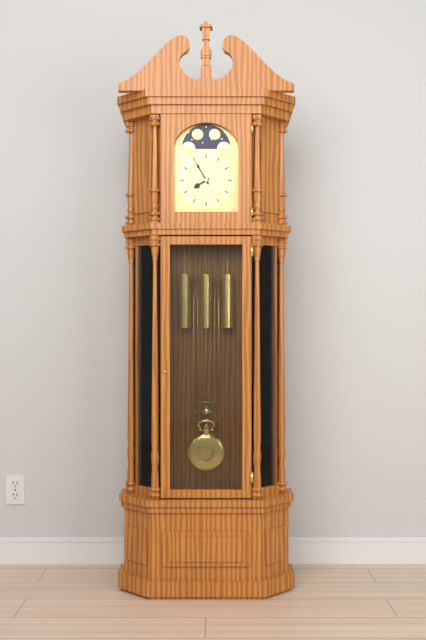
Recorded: 7:55
